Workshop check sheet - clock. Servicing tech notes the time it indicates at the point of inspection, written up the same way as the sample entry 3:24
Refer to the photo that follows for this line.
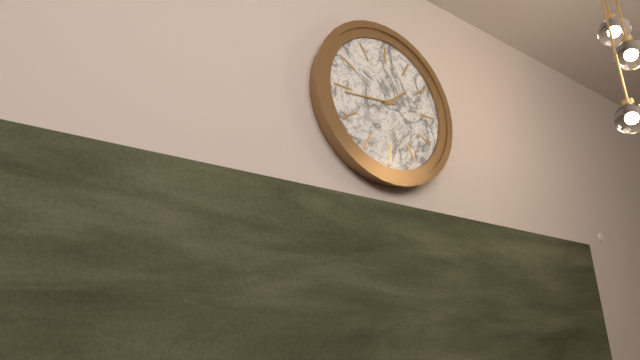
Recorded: 1:44
